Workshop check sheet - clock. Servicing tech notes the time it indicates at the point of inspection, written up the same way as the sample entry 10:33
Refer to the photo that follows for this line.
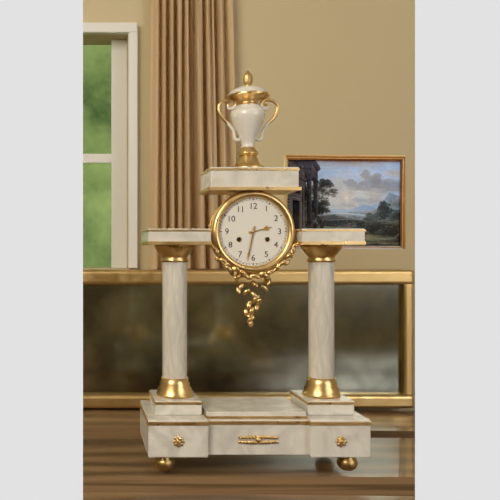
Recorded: 2:32
